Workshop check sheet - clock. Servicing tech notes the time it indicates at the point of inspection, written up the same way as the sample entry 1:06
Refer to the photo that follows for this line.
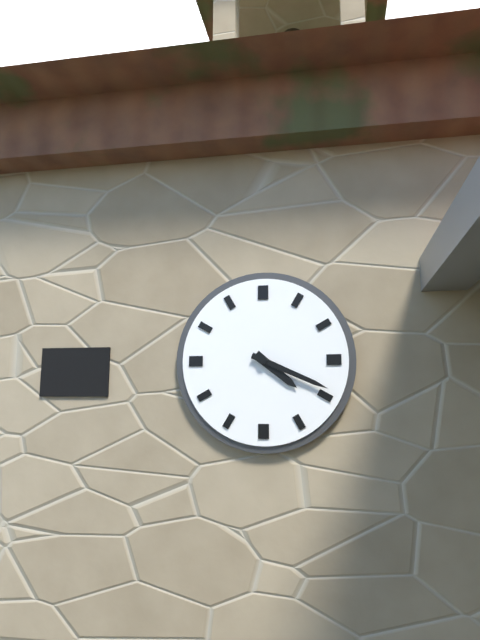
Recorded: 4:19
